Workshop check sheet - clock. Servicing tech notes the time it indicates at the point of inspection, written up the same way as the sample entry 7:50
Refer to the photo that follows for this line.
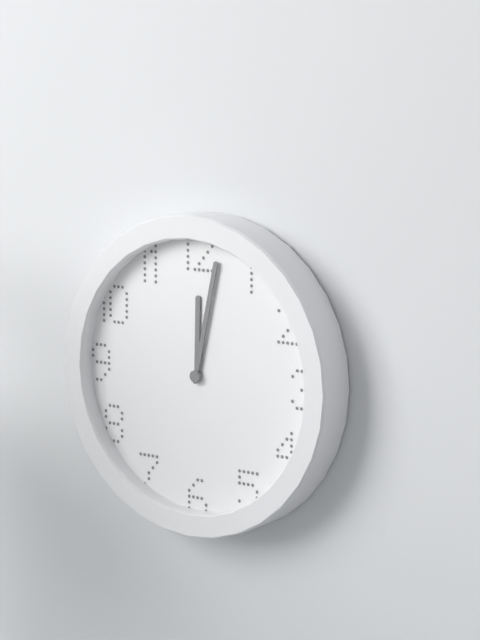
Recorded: 12:02
